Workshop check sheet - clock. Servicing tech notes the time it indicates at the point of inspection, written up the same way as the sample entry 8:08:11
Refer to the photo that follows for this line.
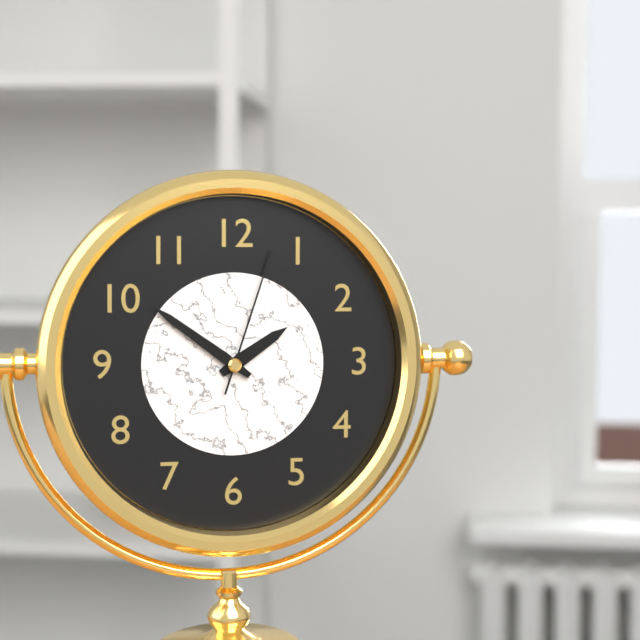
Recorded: 1:51:03
